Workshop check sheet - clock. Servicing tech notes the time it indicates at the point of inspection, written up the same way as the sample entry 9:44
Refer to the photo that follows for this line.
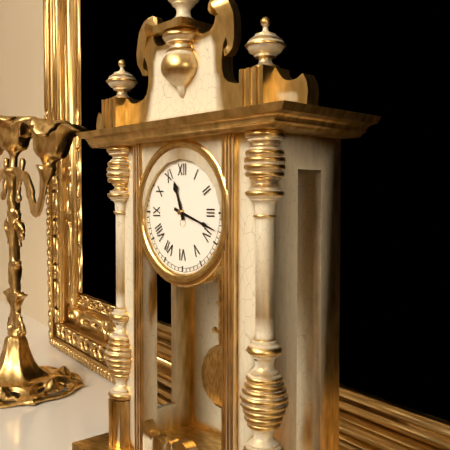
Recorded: 11:18
